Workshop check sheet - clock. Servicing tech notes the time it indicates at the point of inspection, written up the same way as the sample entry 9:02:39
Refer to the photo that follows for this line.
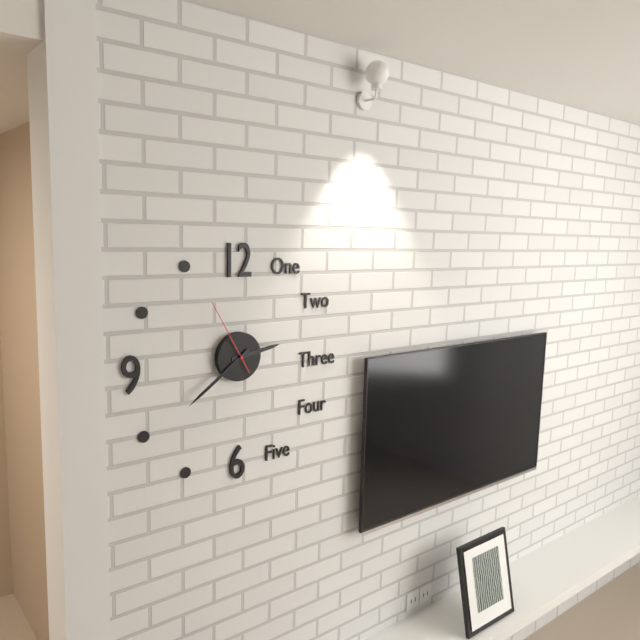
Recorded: 2:39:55
